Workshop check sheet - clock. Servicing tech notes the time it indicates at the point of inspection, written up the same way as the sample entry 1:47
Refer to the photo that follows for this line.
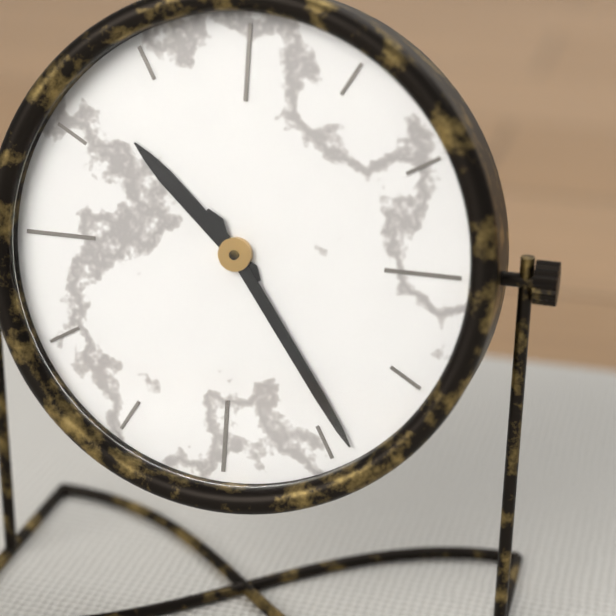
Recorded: 10:24
